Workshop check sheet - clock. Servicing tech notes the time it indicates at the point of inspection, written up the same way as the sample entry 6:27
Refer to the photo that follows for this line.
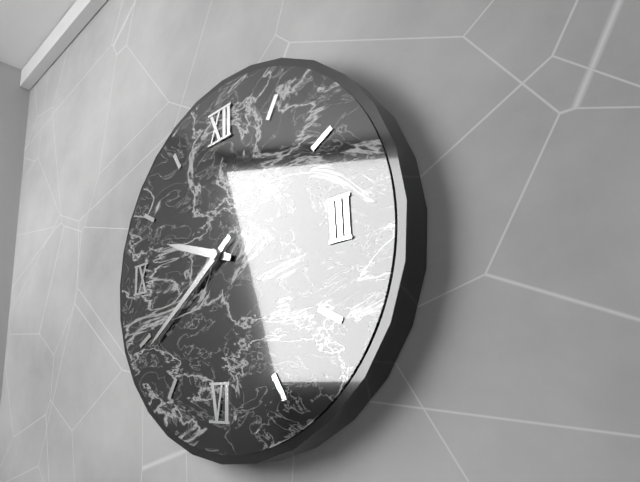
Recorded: 9:39
